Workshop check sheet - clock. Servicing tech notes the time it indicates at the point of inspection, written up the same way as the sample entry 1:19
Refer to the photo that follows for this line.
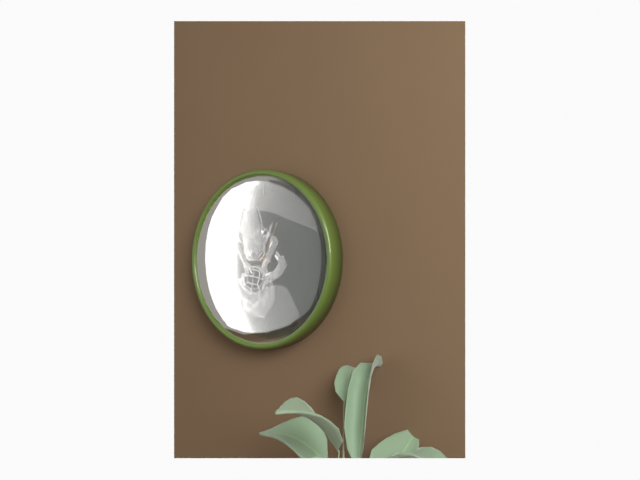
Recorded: 12:47
